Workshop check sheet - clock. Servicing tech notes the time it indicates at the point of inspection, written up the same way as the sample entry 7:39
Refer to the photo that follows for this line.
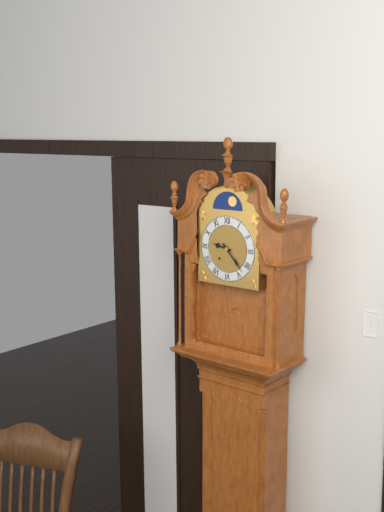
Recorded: 9:23
